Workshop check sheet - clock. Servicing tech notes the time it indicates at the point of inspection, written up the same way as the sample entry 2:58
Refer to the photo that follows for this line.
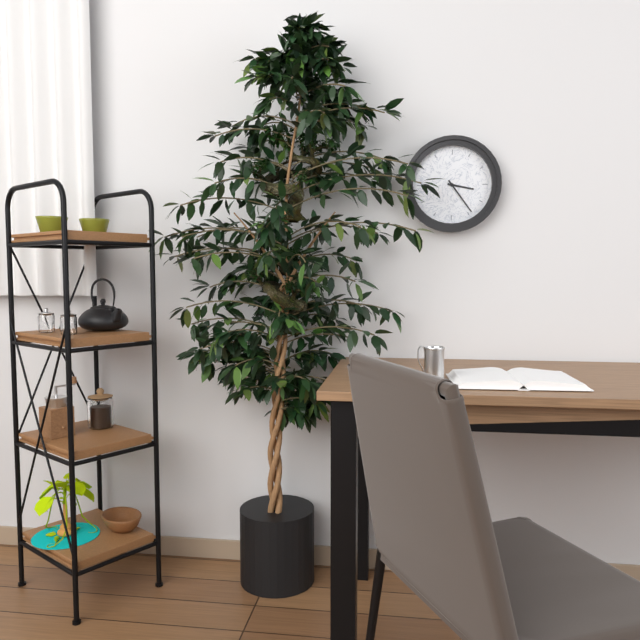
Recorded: 3:24
